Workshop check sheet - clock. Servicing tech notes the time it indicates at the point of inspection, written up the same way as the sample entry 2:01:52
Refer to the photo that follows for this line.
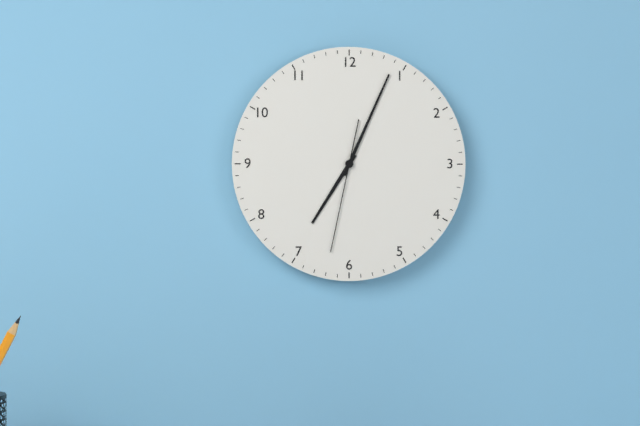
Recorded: 7:04:32
